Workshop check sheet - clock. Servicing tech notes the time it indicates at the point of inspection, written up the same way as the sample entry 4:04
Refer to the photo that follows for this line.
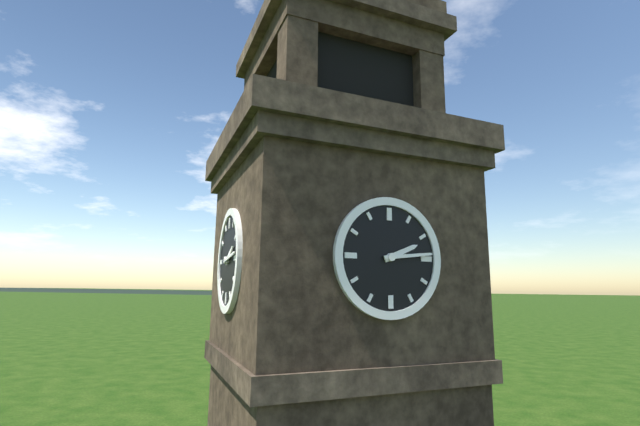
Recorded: 2:14
